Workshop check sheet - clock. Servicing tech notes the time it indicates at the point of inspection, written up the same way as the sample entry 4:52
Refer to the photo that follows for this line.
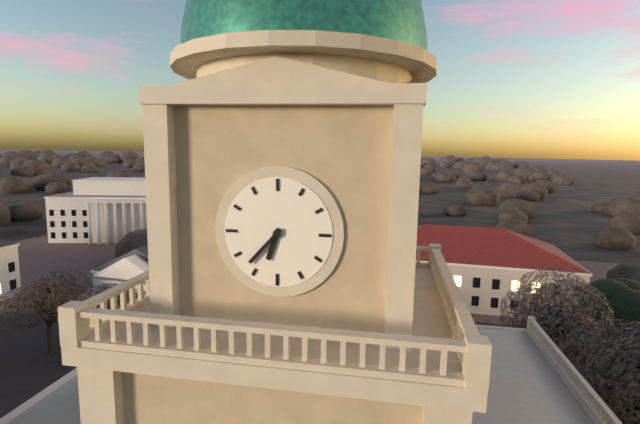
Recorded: 6:37
